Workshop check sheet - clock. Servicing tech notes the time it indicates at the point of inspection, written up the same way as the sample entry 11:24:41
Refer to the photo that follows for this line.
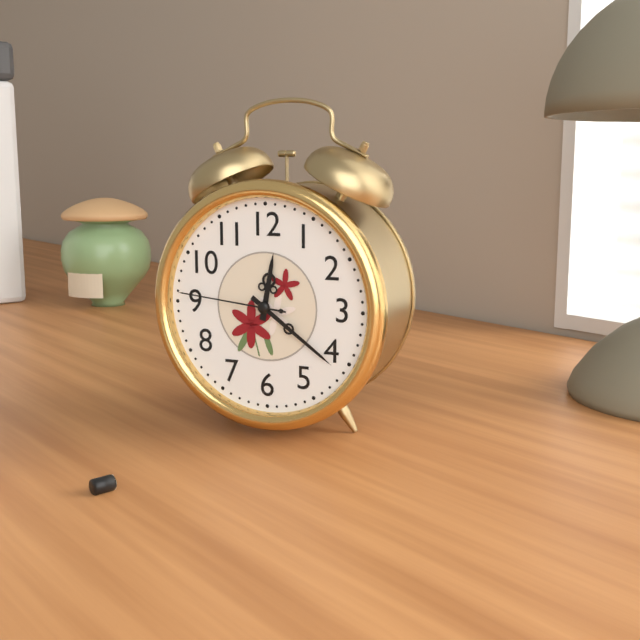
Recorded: 12:21:46
